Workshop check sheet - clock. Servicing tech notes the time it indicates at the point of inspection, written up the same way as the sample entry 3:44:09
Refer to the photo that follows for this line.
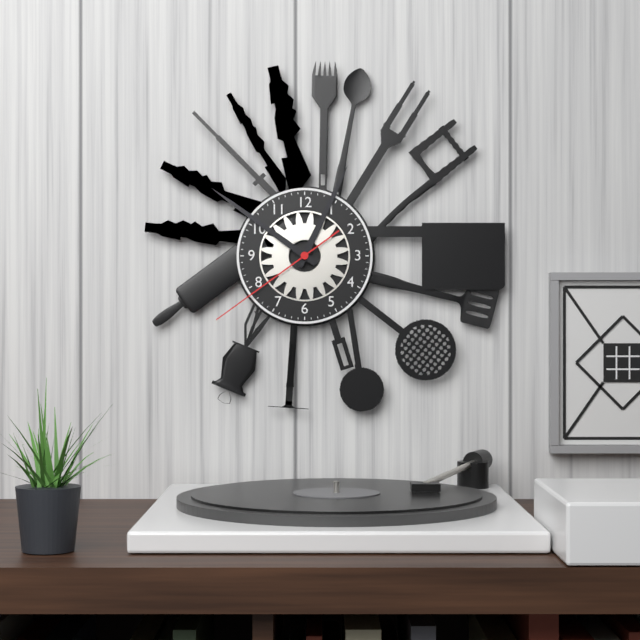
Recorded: 12:51:39
